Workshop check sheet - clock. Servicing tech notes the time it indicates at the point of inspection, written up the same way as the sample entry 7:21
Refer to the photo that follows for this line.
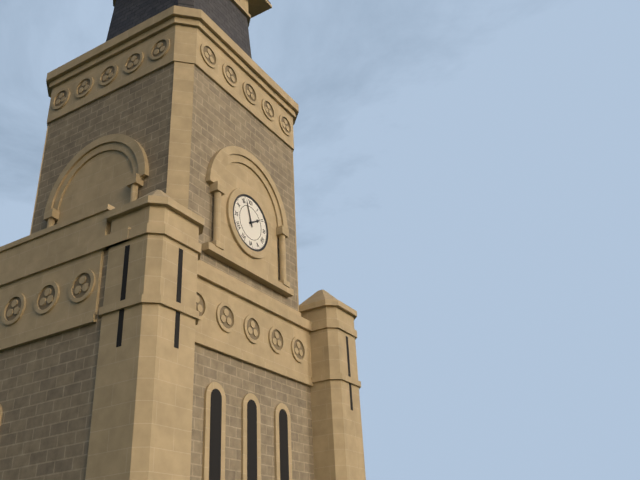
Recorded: 1:57
